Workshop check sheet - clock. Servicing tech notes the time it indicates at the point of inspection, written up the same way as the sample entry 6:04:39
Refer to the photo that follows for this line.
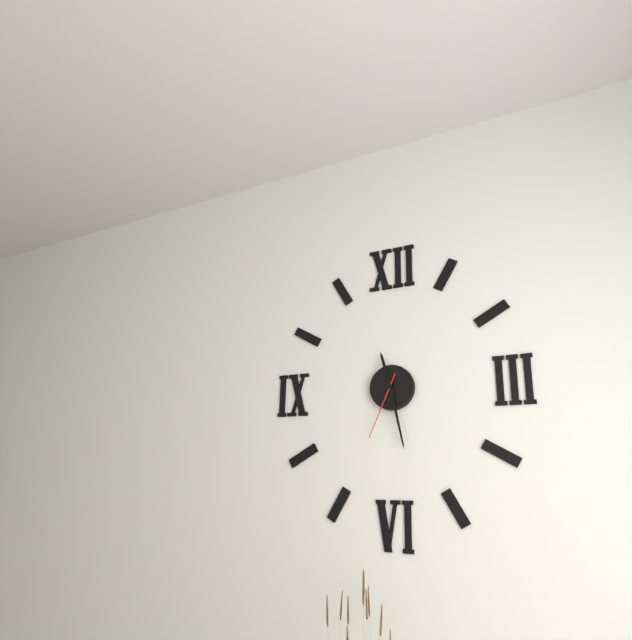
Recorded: 11:28:34
